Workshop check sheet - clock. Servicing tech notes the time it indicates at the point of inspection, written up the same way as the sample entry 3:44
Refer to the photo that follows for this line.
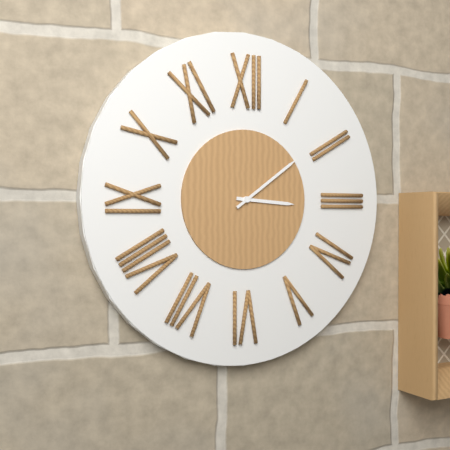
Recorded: 3:09
